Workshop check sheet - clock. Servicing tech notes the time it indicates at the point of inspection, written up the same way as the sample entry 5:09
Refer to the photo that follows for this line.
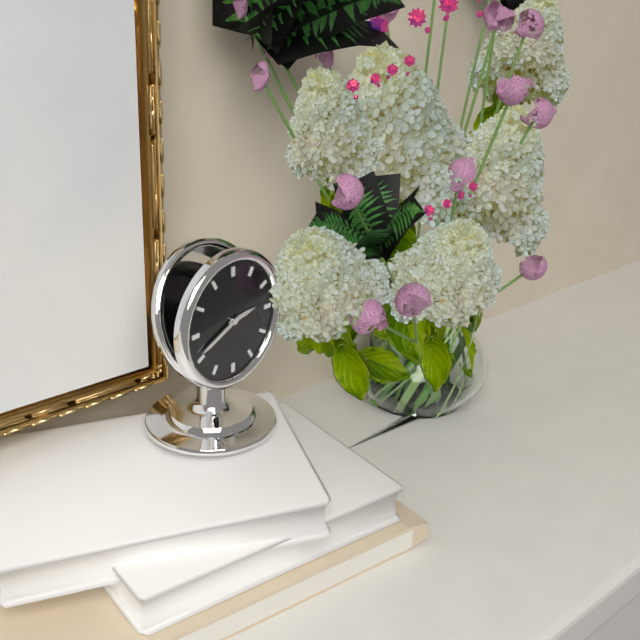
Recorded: 2:41
